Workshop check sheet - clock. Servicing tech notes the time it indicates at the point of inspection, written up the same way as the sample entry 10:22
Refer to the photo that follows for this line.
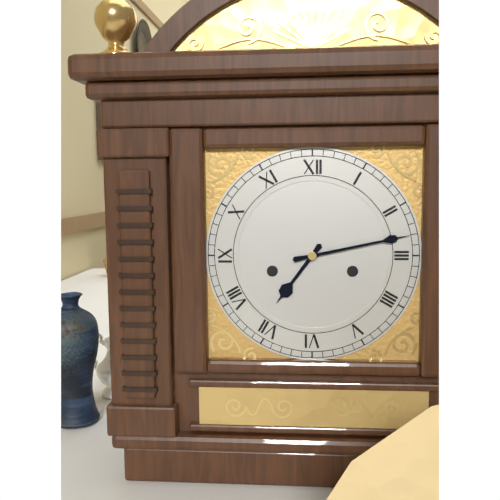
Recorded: 7:13
